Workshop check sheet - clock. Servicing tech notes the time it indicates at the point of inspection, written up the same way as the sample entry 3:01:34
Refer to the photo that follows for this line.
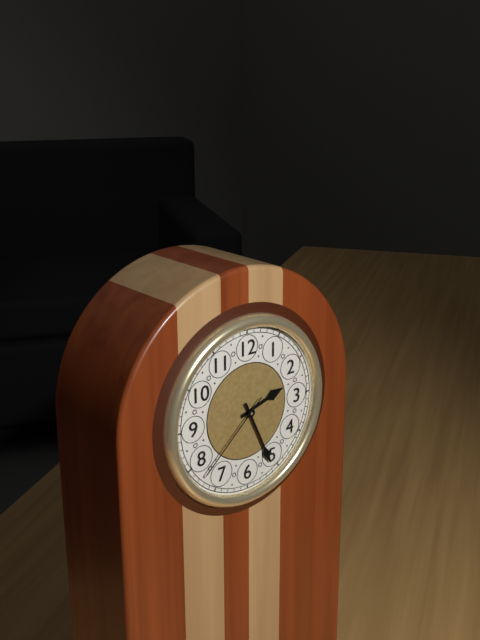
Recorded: 2:26:38
